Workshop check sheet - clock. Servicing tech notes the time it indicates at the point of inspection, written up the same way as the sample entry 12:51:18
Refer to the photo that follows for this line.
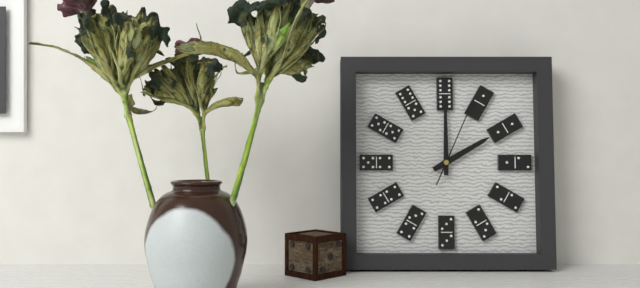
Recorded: 2:00:04
